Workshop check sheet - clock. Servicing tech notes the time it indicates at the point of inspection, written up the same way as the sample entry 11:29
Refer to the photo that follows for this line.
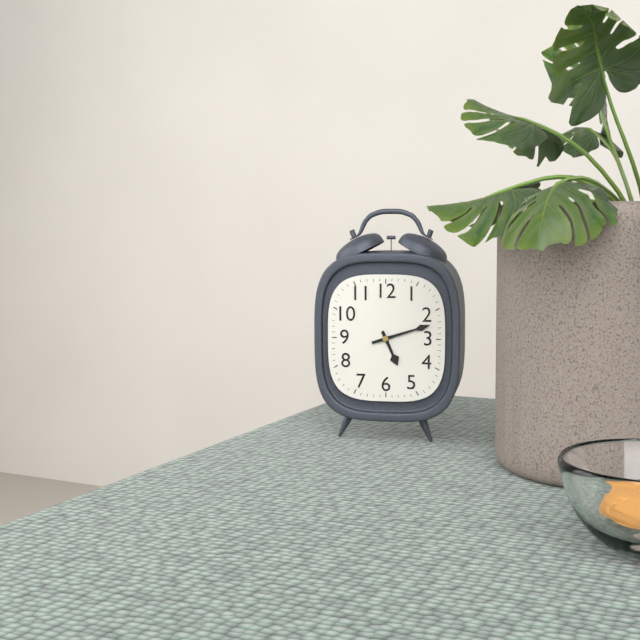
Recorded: 5:12
